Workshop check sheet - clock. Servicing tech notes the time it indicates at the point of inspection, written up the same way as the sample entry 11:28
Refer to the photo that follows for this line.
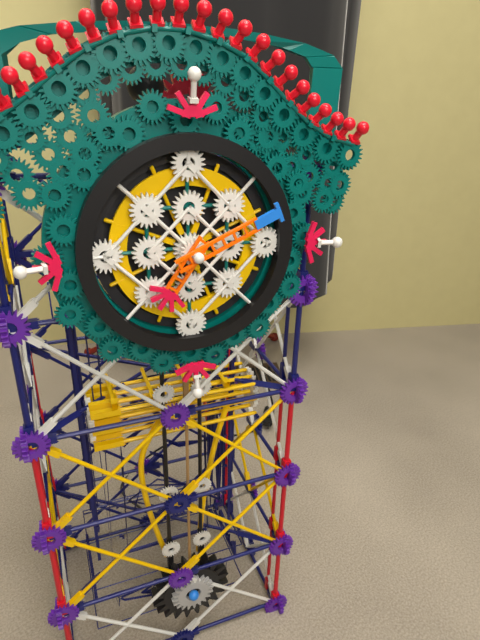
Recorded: 7:11
